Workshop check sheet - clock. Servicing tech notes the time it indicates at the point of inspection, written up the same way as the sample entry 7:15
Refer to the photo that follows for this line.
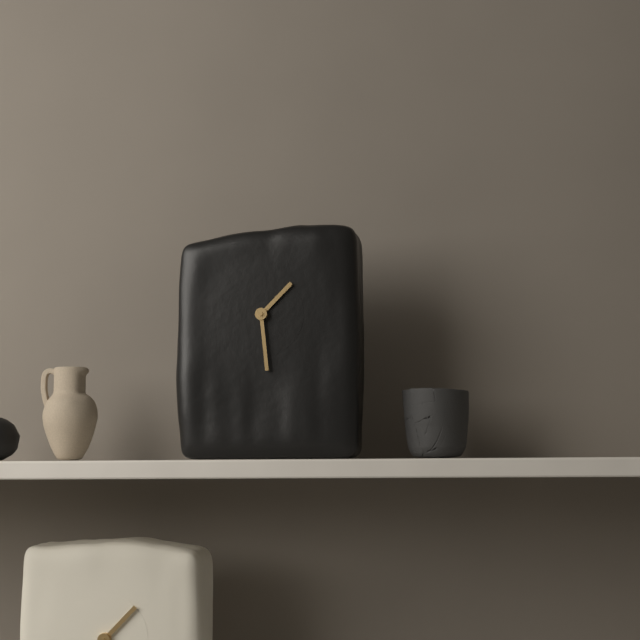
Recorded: 1:29
